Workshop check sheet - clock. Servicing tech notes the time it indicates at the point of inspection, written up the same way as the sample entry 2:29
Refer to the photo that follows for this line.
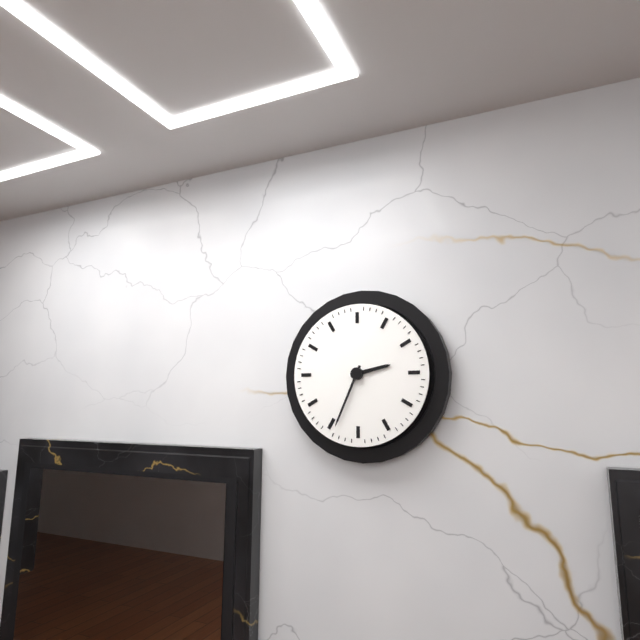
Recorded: 2:34
